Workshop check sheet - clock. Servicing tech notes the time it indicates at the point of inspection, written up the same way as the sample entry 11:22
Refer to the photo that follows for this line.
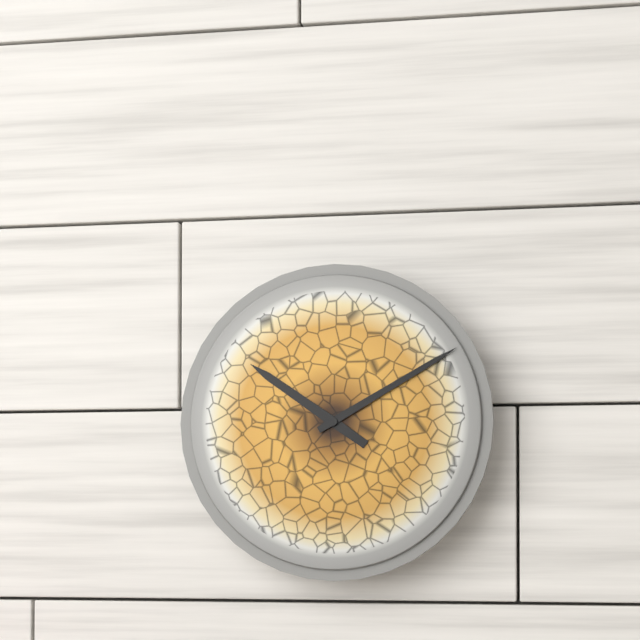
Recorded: 10:10
